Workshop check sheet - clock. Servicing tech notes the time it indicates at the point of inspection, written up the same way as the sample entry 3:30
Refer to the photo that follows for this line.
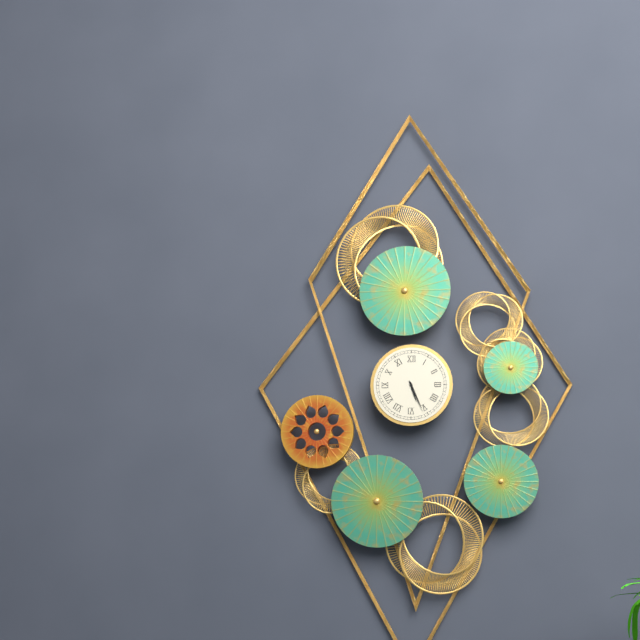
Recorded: 5:26
